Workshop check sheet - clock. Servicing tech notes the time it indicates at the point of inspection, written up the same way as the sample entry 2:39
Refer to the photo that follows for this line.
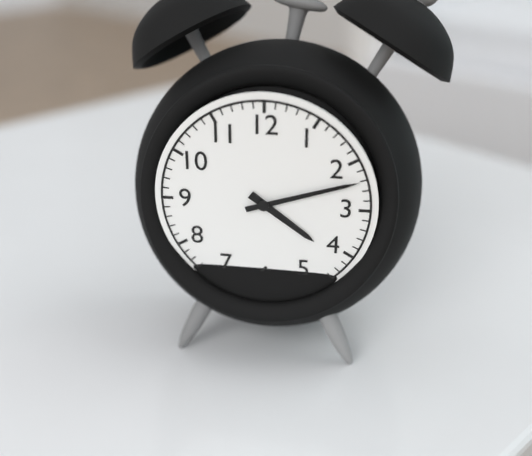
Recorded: 4:12
